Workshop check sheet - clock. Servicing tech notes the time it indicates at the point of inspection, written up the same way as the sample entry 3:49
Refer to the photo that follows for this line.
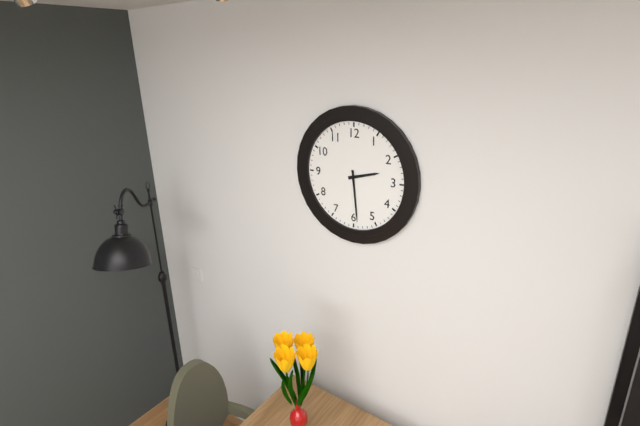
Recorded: 2:29
